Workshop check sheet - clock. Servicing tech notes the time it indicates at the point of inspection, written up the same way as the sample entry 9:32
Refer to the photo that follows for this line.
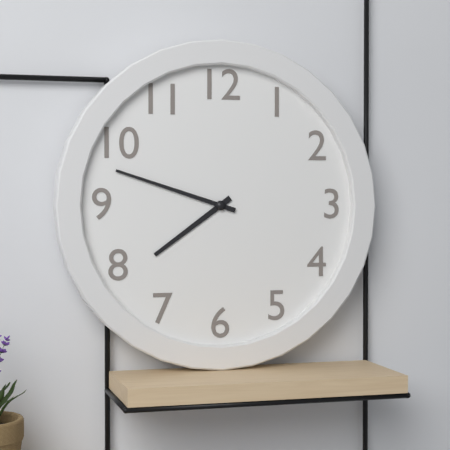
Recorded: 7:48
